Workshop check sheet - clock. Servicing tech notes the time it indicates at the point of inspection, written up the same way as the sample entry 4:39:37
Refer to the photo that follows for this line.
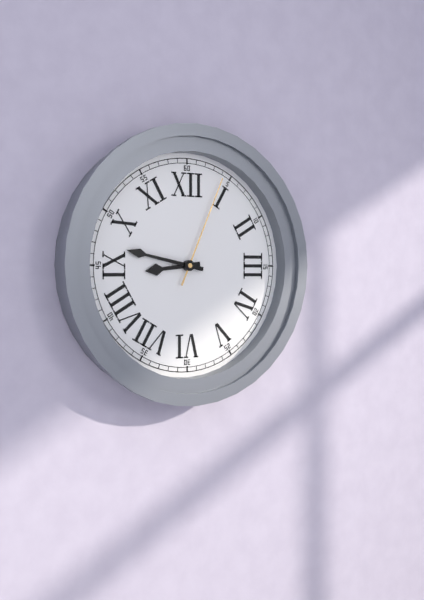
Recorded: 8:47:04
